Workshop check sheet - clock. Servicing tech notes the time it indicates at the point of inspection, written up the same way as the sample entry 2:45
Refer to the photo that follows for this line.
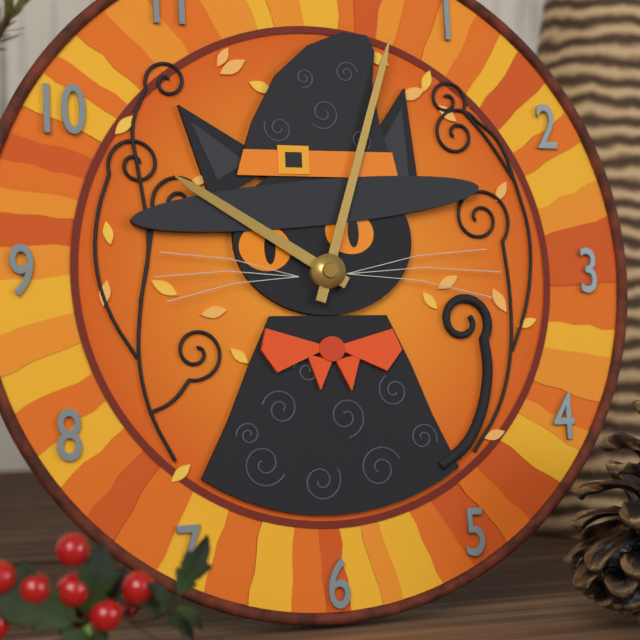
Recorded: 10:03
